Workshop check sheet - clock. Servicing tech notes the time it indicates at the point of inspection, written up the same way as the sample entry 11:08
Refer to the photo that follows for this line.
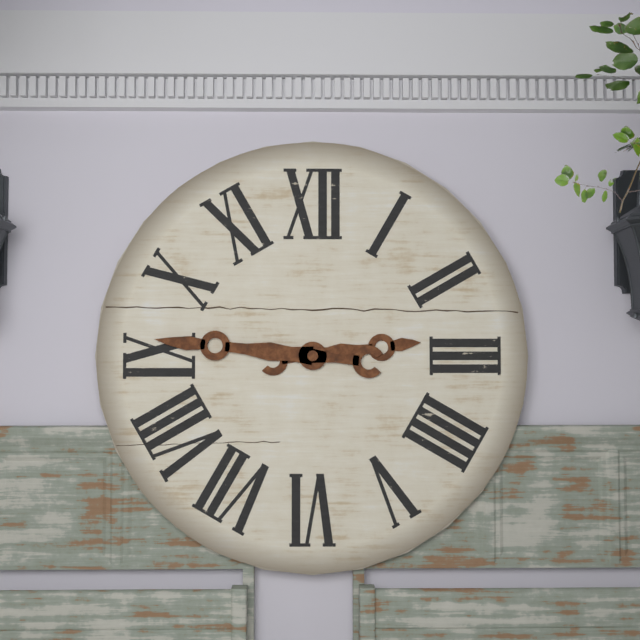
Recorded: 2:46
